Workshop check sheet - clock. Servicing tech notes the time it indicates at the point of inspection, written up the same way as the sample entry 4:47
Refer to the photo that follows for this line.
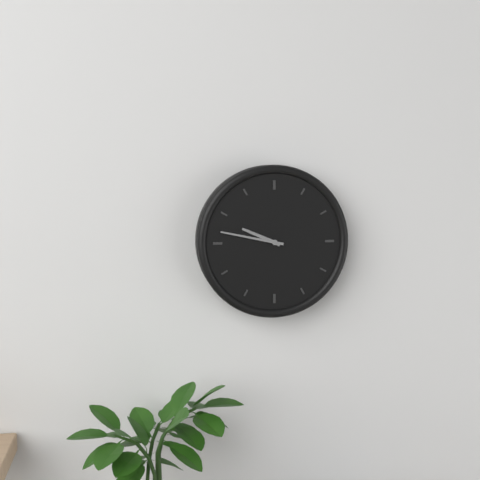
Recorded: 9:47
